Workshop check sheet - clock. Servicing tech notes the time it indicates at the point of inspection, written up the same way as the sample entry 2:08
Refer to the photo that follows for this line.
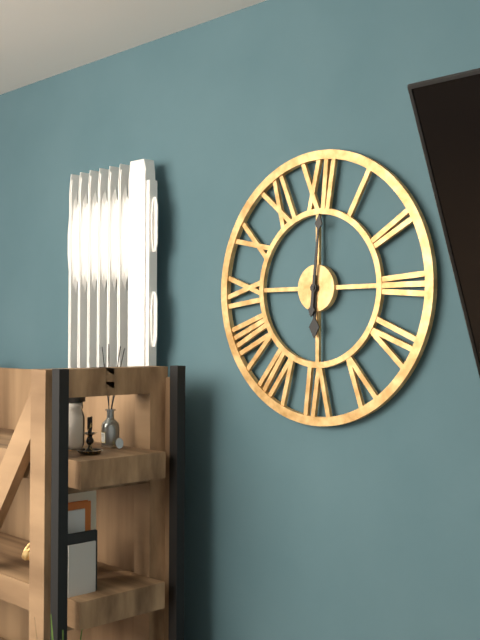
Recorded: 6:01
